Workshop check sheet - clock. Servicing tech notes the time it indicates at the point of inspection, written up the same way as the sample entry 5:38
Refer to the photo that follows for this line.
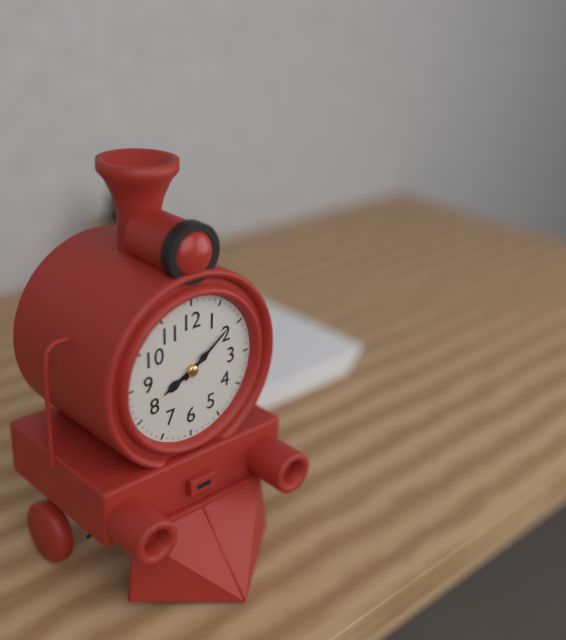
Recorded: 8:09
